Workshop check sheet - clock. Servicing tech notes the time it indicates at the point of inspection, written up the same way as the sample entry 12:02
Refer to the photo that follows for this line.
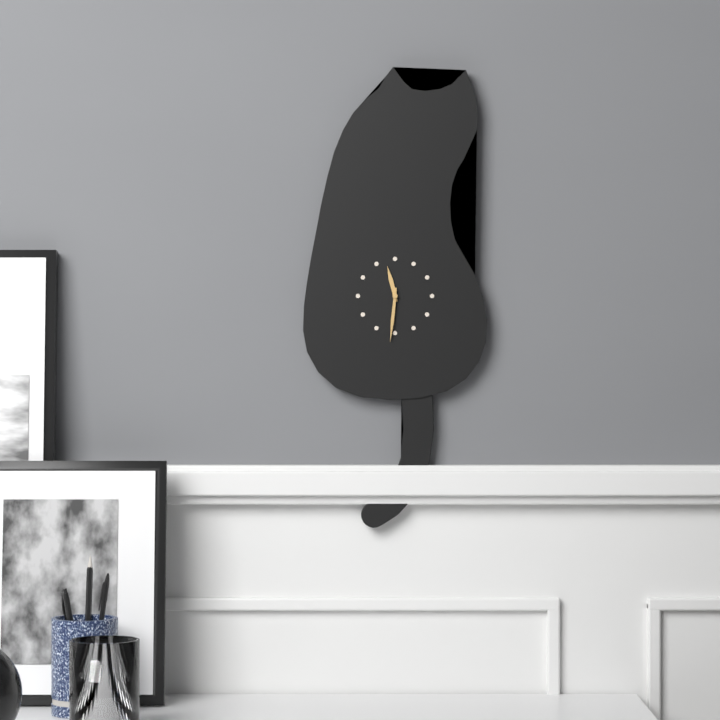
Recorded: 11:31
